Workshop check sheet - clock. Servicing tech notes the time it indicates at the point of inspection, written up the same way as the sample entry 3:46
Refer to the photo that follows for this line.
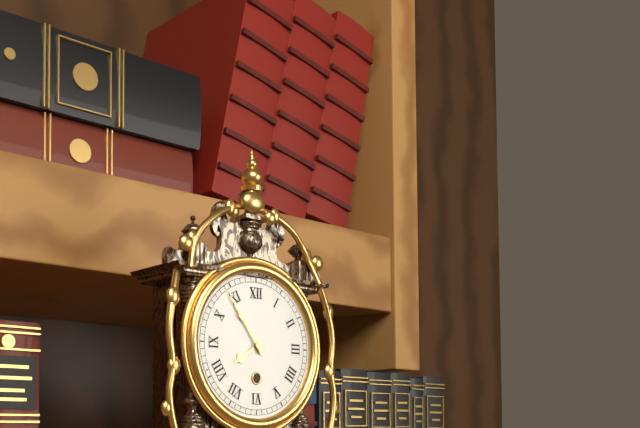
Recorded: 7:54
